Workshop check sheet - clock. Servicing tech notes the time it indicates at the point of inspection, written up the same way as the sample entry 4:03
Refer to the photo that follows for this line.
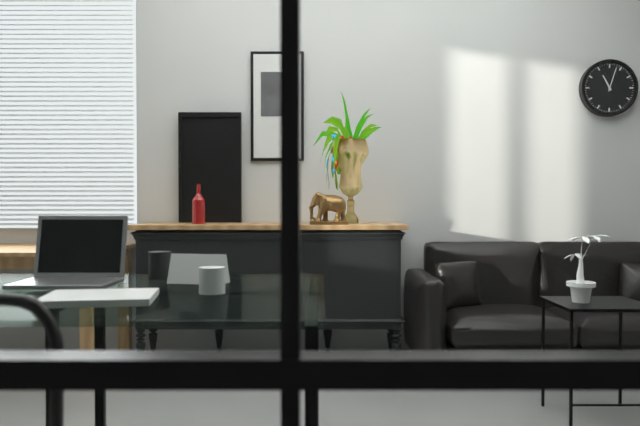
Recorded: 11:03
